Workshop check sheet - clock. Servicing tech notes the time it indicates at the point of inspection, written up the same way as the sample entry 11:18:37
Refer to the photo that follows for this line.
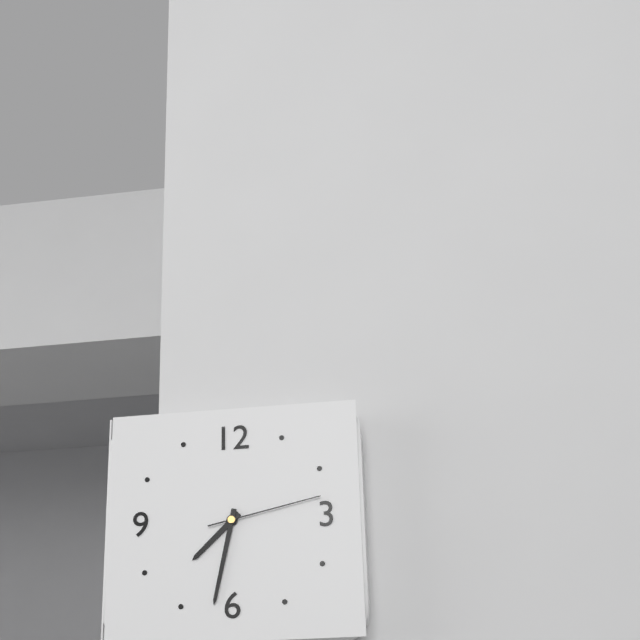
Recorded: 7:32:13
